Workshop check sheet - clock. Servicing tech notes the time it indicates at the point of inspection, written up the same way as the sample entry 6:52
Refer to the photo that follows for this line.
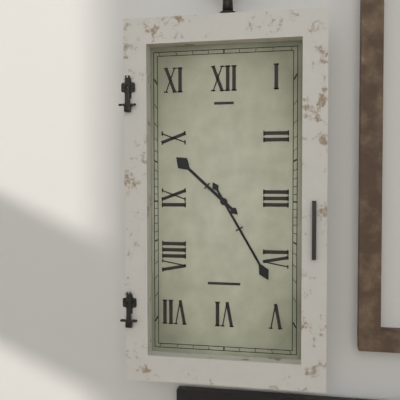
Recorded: 10:25
